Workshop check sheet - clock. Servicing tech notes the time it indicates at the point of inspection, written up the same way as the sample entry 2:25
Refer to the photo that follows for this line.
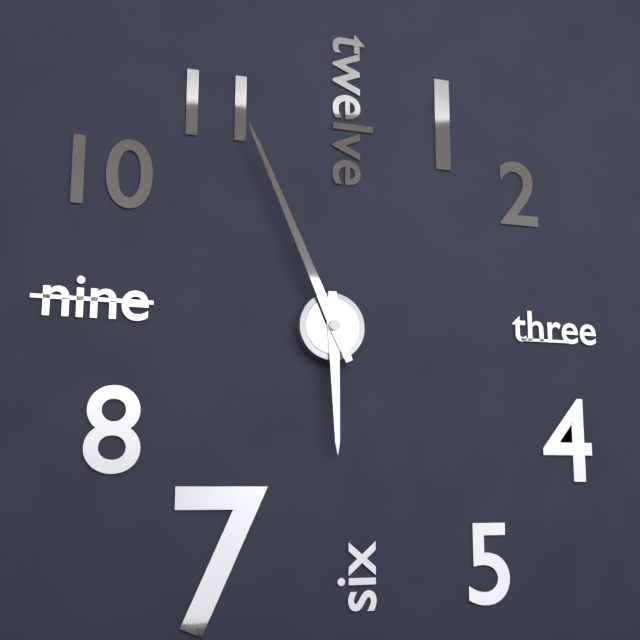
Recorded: 5:56
